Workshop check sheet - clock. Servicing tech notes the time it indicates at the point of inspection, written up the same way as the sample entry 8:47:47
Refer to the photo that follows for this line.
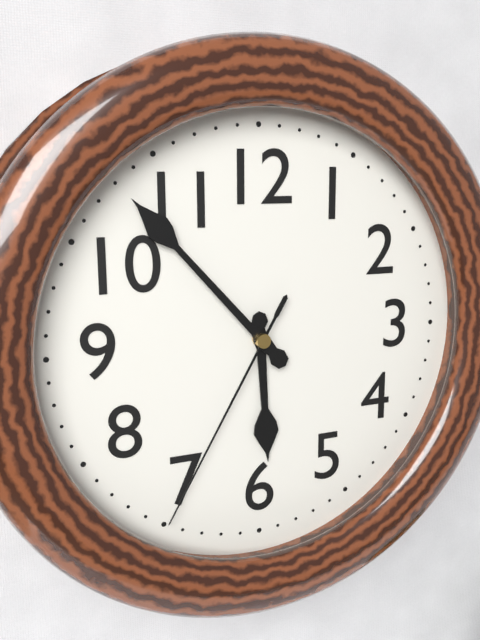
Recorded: 5:53:35
